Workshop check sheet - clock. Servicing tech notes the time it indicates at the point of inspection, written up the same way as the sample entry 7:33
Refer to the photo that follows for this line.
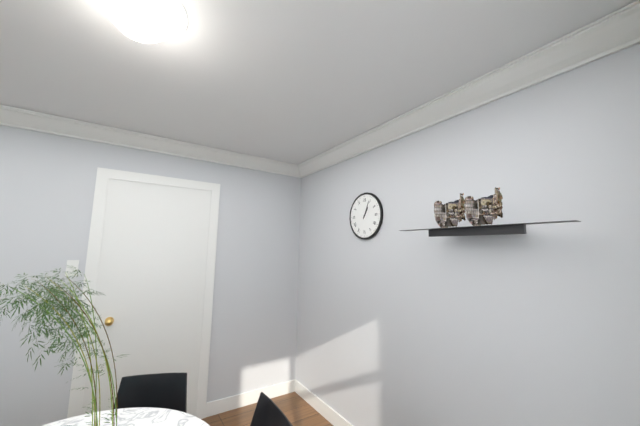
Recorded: 1:04
